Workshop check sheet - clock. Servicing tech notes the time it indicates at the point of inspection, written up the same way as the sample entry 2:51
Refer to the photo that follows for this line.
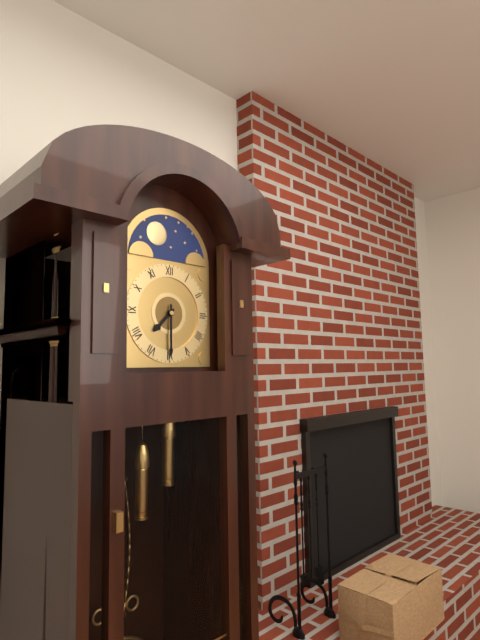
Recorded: 7:30
